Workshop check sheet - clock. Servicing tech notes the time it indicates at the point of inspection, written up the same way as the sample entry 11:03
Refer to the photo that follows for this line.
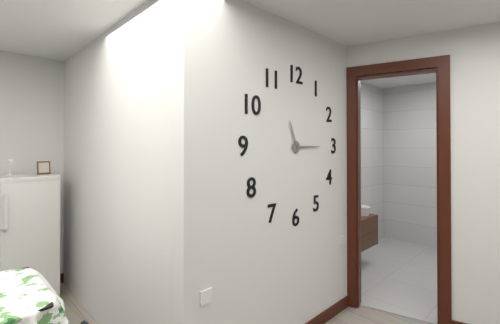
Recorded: 11:15
